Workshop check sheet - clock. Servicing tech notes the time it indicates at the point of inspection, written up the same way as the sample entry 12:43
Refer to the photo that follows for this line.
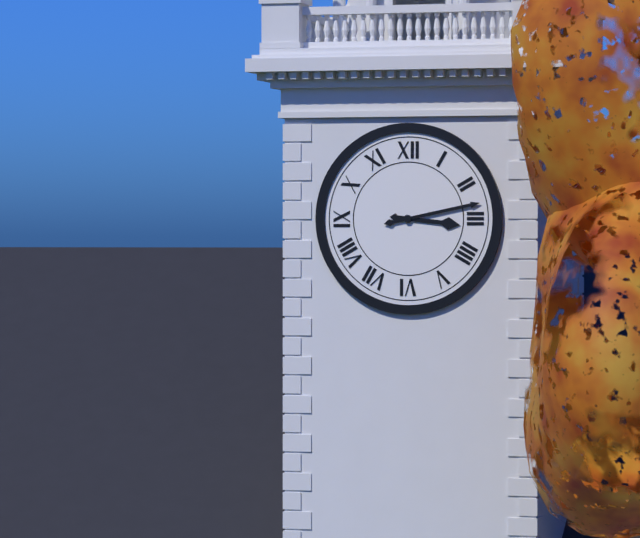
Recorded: 3:13
